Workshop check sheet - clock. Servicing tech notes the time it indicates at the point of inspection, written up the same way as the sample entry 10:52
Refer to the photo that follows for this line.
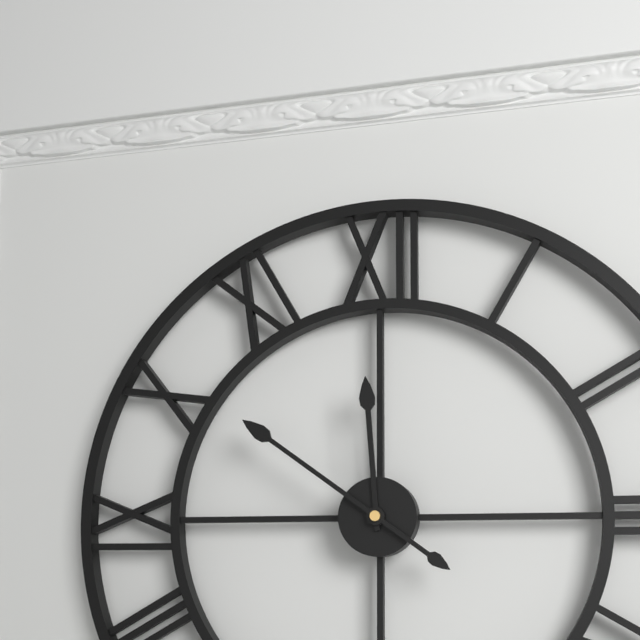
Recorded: 11:51
